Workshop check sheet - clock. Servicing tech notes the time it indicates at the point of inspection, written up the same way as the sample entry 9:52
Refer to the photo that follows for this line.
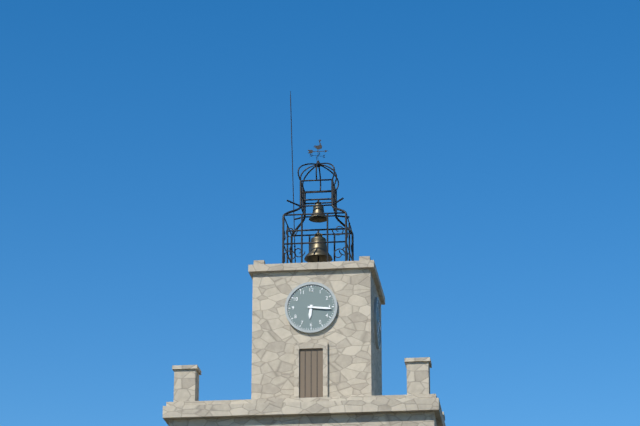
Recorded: 6:16
